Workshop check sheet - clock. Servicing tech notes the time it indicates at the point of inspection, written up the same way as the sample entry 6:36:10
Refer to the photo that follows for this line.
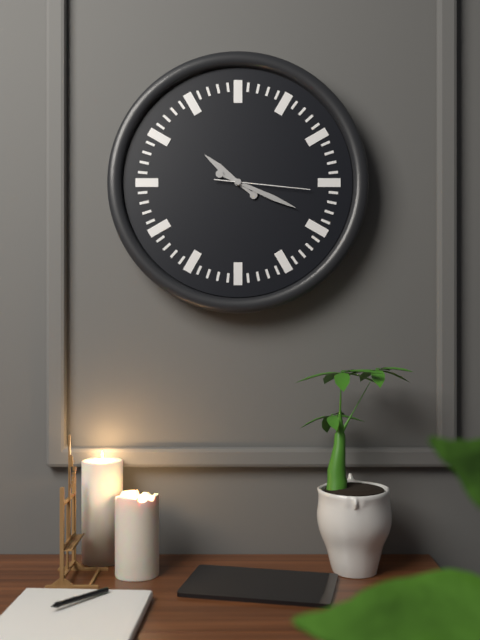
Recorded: 10:19:16
